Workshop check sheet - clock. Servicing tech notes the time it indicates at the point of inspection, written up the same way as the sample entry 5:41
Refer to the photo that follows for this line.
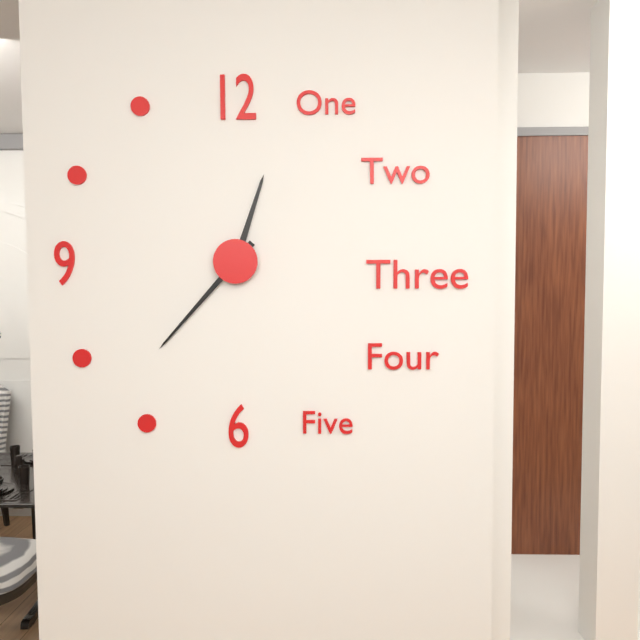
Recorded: 12:37
